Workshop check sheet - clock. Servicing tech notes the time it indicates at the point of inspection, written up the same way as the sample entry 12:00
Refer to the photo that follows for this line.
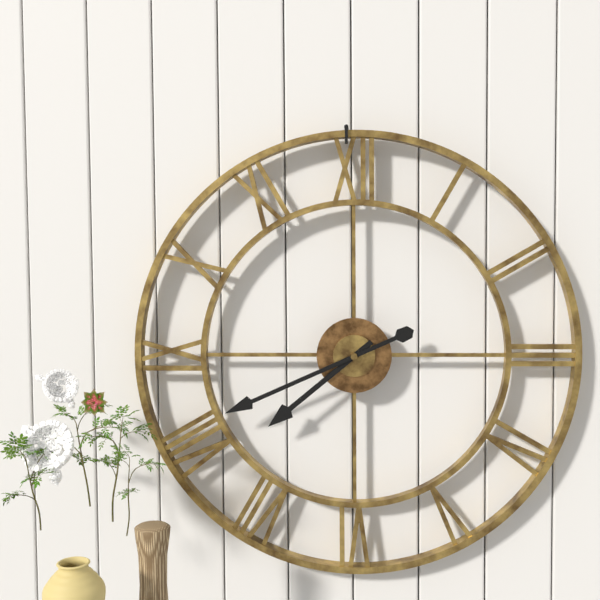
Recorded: 7:41
